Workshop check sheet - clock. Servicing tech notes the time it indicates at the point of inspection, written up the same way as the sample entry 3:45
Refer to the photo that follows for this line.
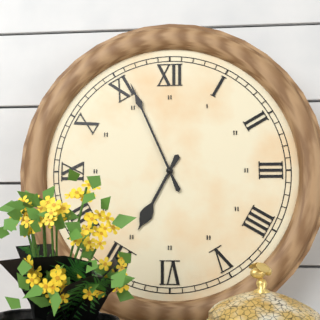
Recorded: 6:56
